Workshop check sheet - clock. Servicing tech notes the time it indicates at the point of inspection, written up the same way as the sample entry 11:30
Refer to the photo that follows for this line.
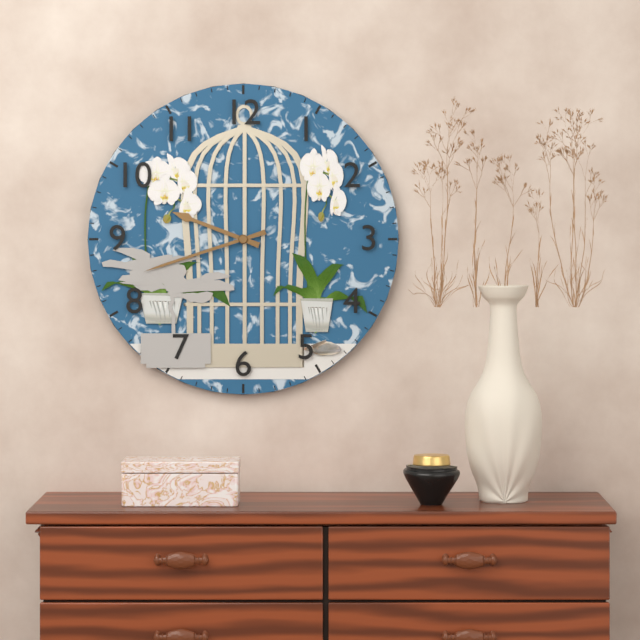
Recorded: 9:42
